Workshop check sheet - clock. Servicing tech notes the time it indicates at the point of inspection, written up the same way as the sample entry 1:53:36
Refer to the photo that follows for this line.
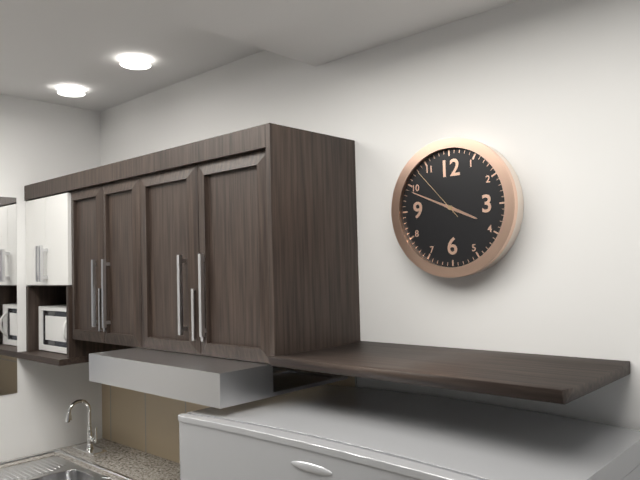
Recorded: 3:49:53
